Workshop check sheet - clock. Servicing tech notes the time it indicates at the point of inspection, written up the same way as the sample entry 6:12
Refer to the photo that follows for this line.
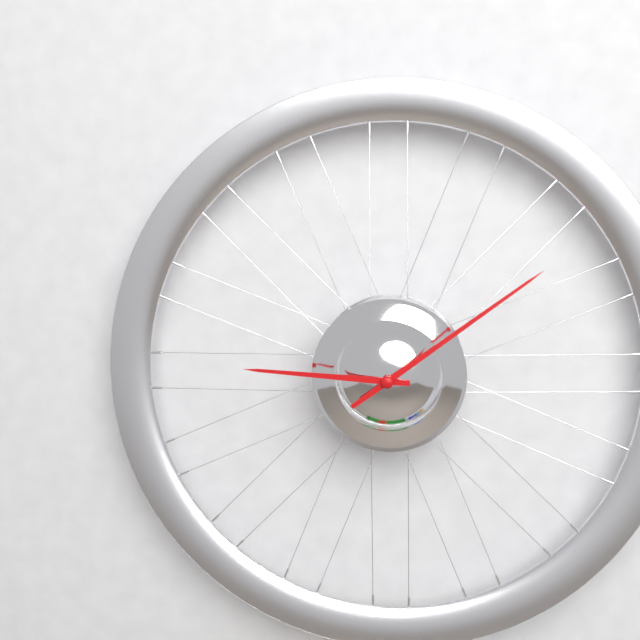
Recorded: 9:09
